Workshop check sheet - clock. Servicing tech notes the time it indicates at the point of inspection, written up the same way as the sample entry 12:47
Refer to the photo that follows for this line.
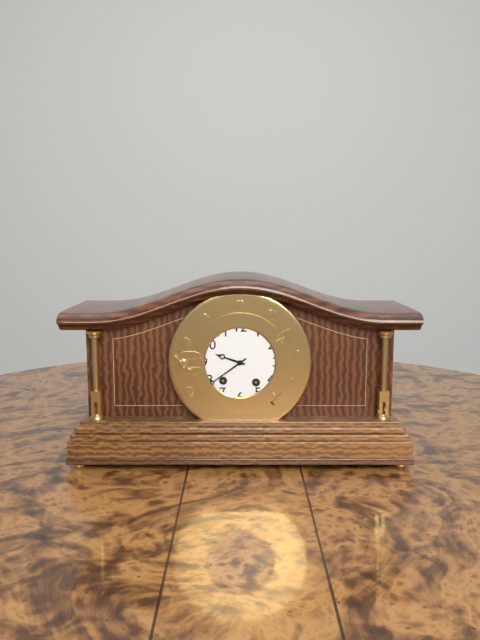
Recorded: 9:39
